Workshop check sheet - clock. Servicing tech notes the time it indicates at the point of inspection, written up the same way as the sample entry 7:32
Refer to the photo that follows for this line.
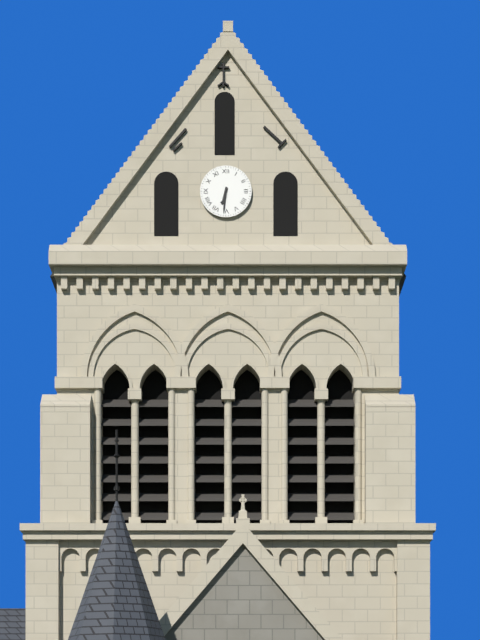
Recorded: 6:31
